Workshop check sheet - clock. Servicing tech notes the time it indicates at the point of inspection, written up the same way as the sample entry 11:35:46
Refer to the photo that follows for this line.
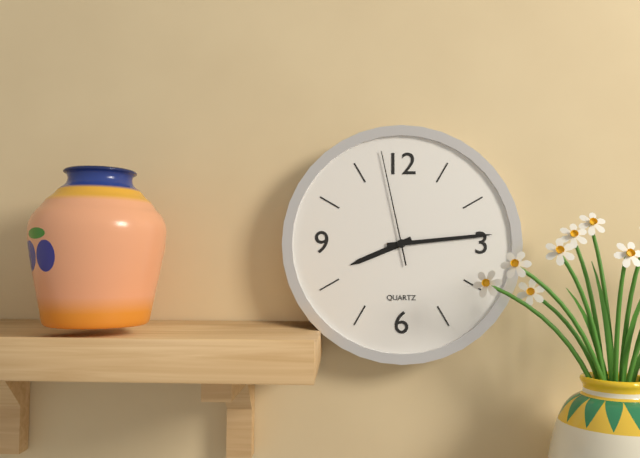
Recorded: 8:14:58
